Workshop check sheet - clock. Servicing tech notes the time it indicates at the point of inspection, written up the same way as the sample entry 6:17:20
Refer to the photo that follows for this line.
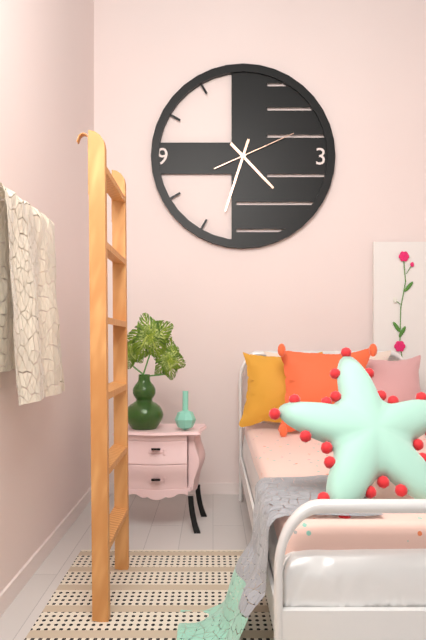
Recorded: 4:33:11
